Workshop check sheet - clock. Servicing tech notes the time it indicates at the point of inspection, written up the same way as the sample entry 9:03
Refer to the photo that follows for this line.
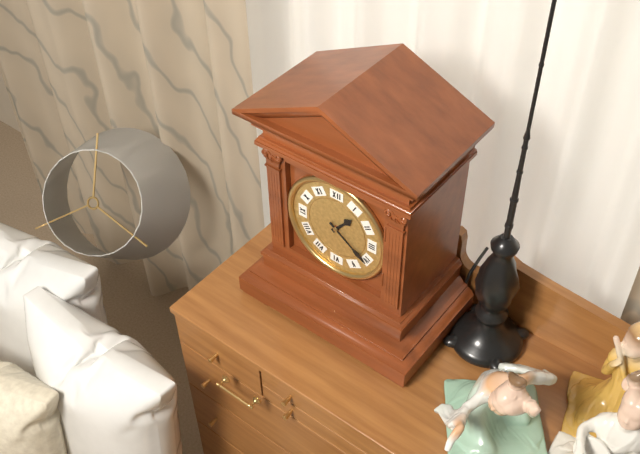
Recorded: 1:21
